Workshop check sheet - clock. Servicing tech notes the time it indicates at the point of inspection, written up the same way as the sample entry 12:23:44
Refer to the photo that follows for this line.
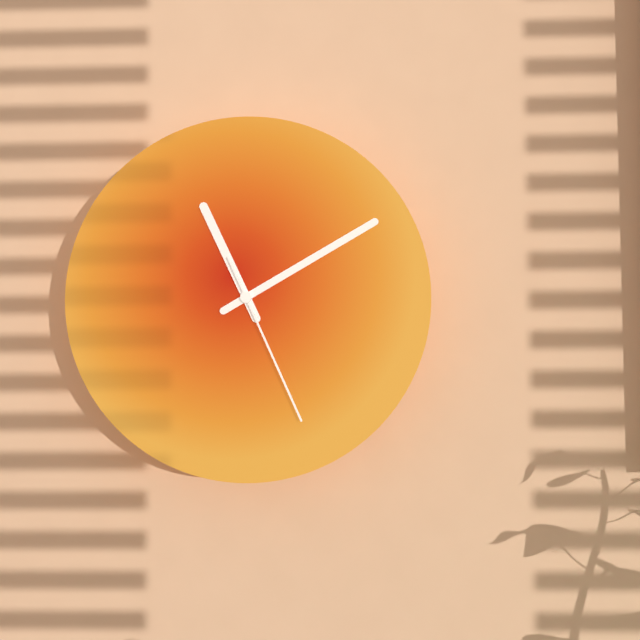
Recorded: 11:10:26
